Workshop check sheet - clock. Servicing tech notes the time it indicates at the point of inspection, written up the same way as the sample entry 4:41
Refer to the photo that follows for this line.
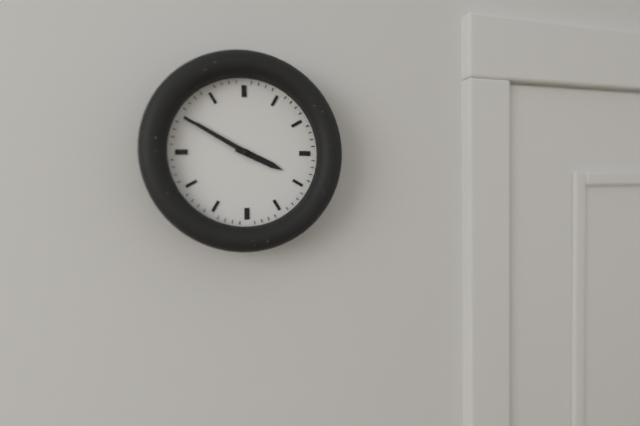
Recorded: 3:50
